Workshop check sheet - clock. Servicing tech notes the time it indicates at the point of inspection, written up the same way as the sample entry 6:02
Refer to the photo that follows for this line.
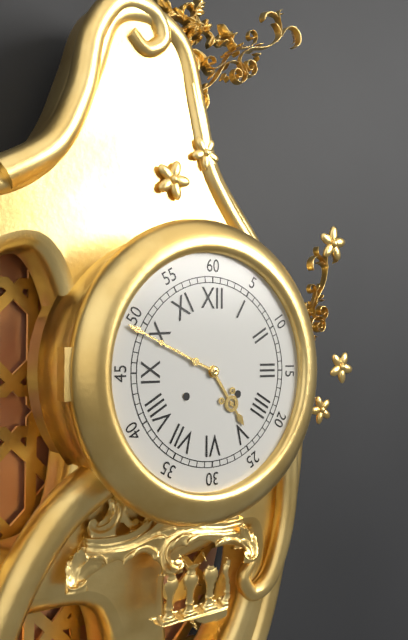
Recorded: 4:49
